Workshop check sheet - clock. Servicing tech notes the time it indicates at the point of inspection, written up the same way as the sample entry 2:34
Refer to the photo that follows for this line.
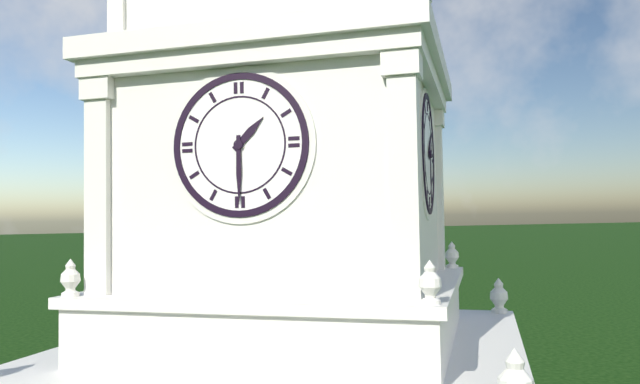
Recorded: 1:30
